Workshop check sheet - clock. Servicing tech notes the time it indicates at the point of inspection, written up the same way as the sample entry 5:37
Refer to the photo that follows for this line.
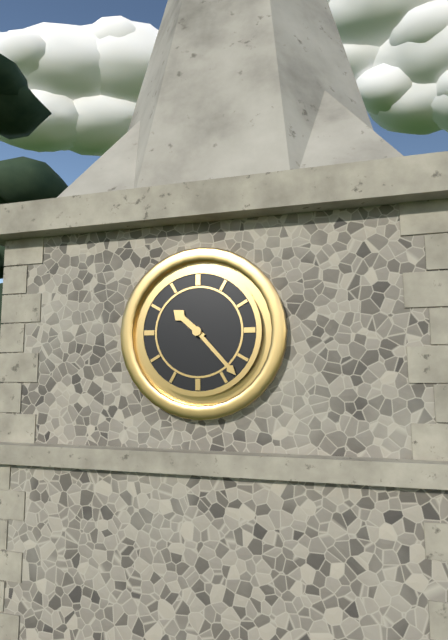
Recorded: 10:23
